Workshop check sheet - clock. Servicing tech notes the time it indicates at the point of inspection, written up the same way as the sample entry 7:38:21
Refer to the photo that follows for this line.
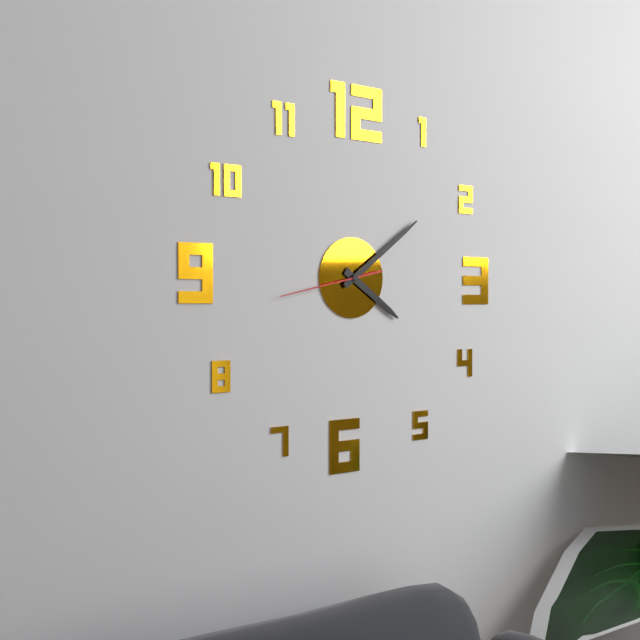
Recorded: 4:09:43
